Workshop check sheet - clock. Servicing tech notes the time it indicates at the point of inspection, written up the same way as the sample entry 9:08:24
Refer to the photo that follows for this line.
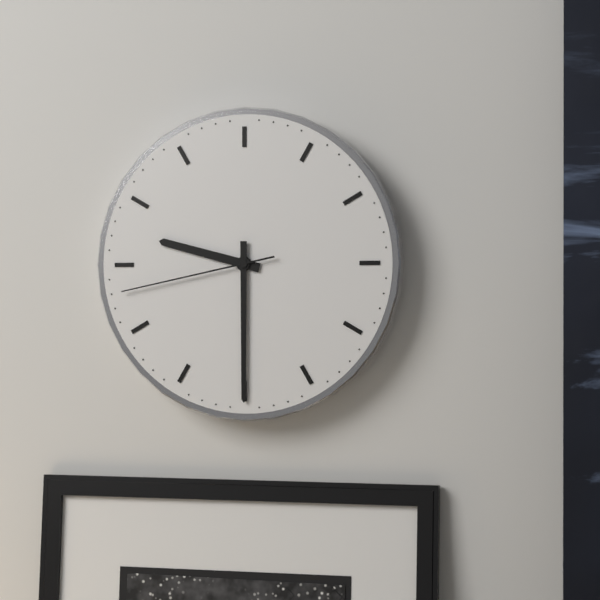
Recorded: 9:30:43
